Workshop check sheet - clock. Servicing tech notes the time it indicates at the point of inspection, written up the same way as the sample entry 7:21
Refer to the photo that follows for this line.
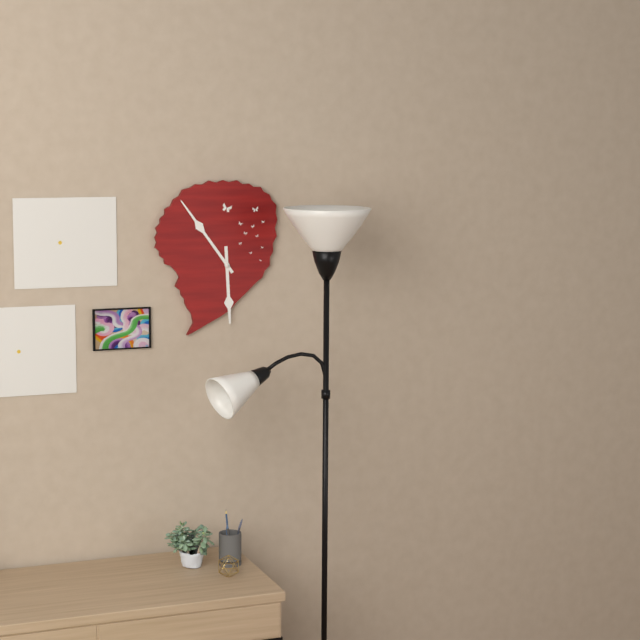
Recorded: 5:54
